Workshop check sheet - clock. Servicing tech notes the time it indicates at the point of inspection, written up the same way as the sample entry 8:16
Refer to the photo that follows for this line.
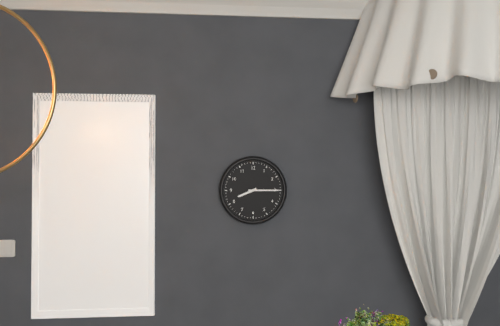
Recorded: 8:15
